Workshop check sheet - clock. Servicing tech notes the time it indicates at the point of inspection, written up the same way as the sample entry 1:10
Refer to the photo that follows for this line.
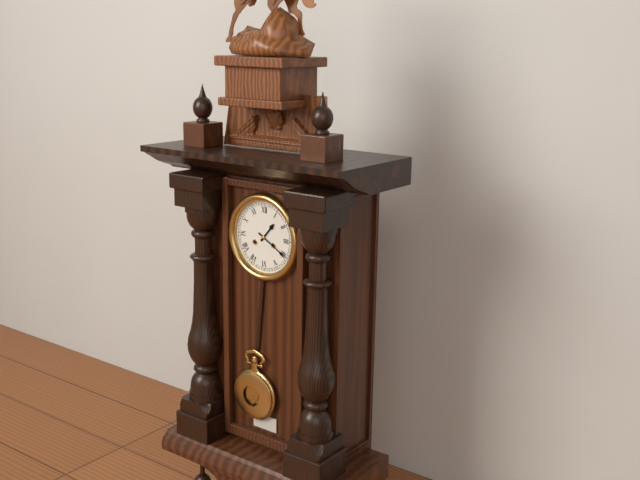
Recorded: 1:20
